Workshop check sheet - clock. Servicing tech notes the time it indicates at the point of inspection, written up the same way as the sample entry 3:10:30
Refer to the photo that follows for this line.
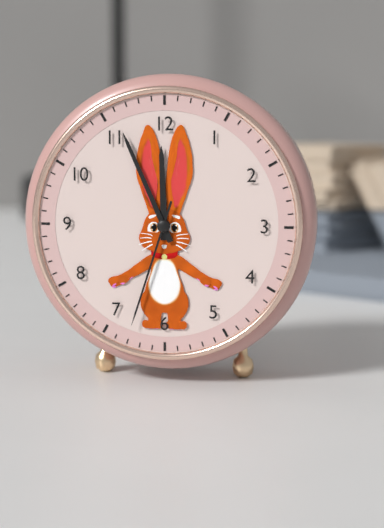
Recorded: 11:56:33
